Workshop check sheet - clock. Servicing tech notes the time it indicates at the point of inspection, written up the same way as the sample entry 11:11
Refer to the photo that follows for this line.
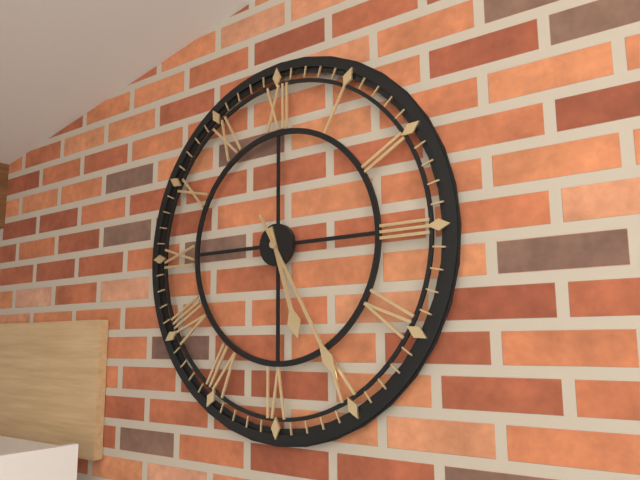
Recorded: 5:25
